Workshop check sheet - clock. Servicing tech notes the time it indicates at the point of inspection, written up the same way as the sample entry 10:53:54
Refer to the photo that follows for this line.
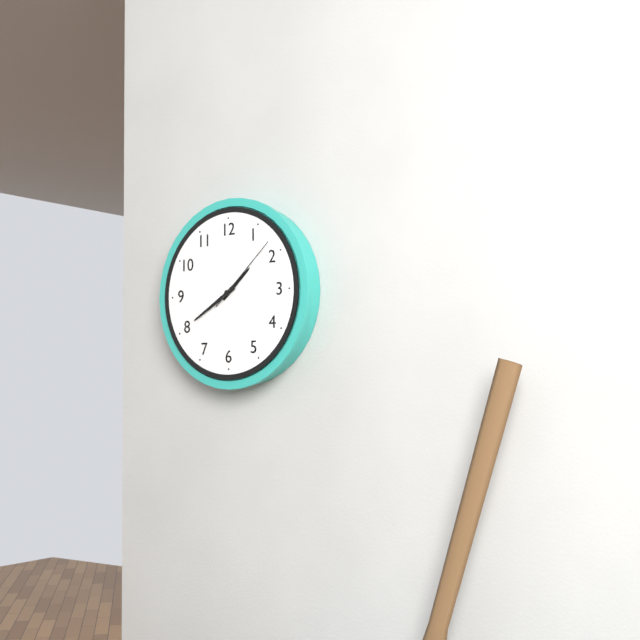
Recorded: 1:40:08
